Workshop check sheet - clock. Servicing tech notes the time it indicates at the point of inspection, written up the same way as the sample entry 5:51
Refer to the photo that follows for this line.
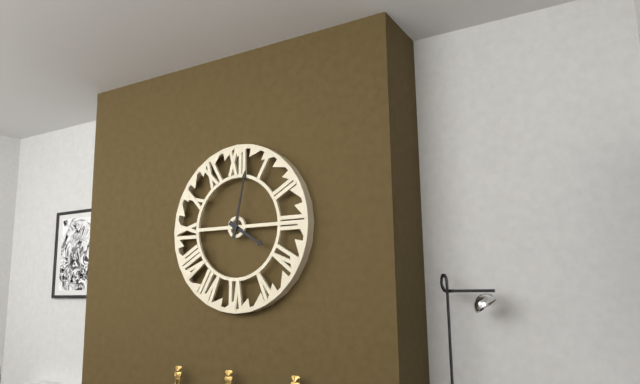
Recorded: 4:02
